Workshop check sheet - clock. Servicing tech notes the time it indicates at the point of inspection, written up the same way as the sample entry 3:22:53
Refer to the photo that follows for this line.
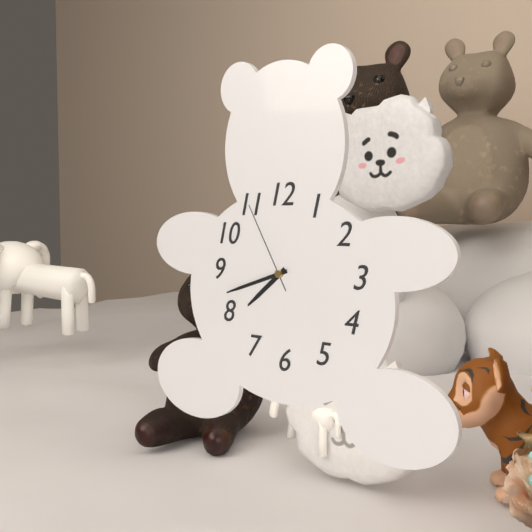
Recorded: 7:42:55
